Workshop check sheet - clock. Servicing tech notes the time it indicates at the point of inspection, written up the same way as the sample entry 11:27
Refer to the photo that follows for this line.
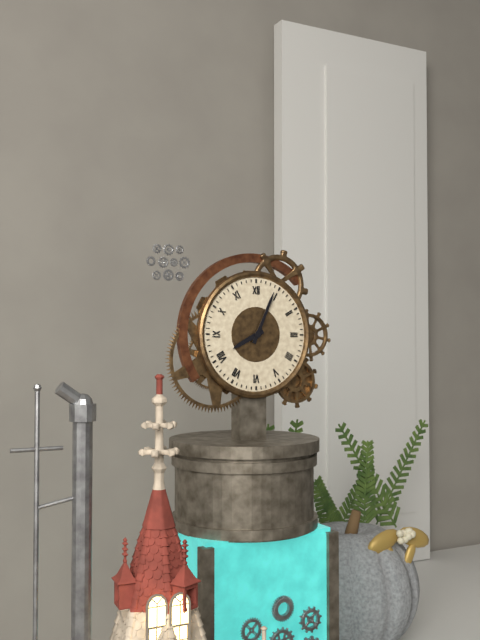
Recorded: 8:04
